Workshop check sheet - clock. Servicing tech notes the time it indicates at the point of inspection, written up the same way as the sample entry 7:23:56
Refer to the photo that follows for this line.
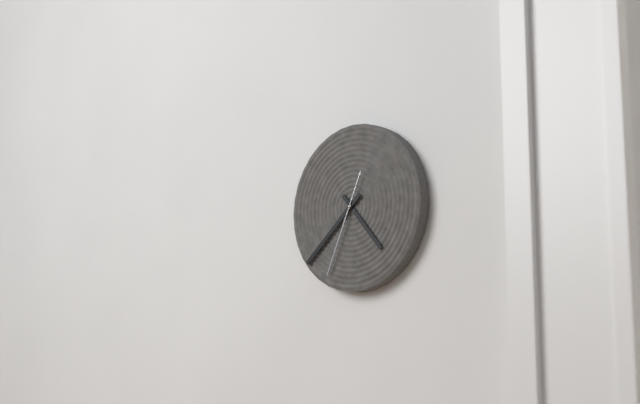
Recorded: 4:38:34
